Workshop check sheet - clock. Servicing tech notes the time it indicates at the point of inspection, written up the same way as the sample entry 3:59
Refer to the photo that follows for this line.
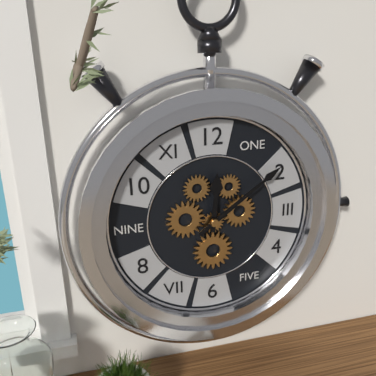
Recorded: 12:09
